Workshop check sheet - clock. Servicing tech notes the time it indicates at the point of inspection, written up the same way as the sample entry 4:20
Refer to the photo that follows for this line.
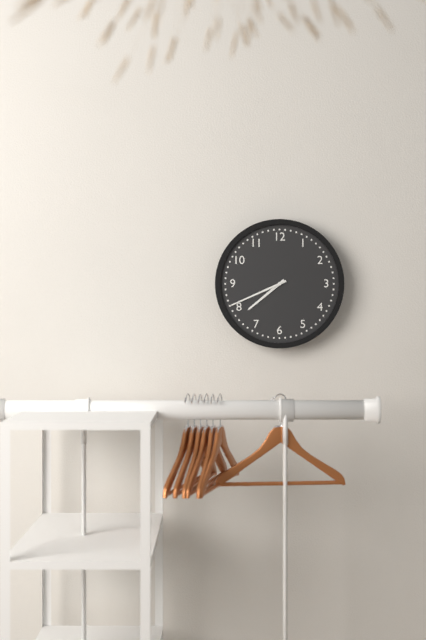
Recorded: 7:41
